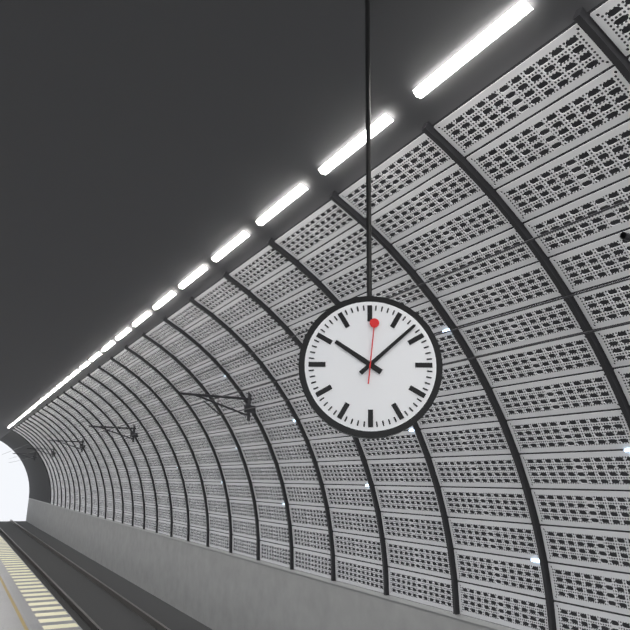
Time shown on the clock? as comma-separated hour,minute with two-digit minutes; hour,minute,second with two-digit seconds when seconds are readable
10,08,01
